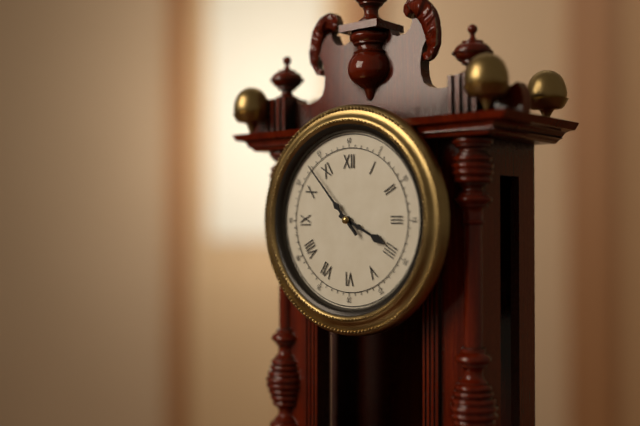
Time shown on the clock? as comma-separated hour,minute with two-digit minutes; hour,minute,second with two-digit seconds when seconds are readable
3,53
